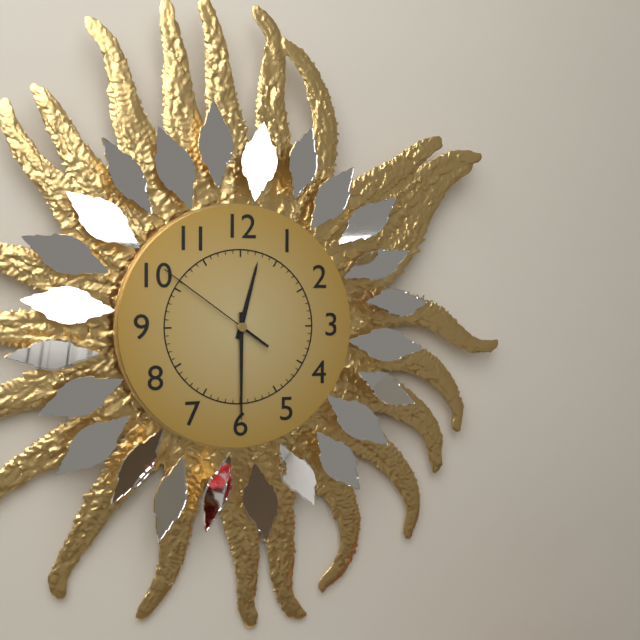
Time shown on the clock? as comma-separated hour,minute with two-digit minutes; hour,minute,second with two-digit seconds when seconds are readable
12,30,51
